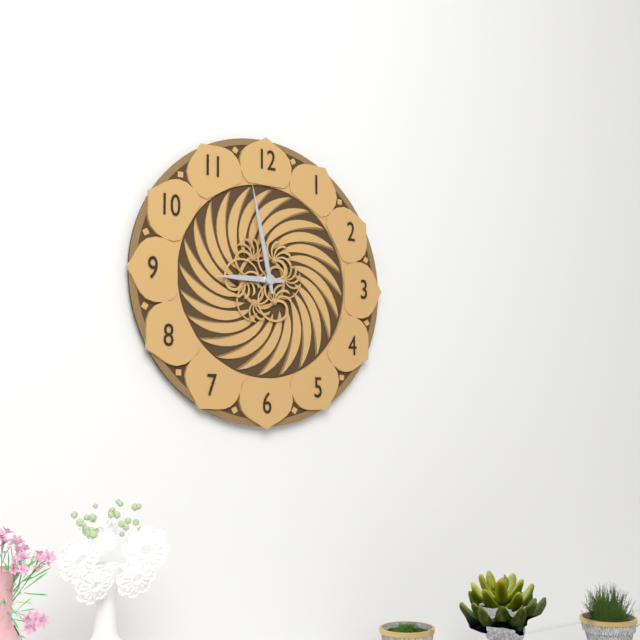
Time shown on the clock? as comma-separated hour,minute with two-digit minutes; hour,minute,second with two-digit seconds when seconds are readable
8,58
